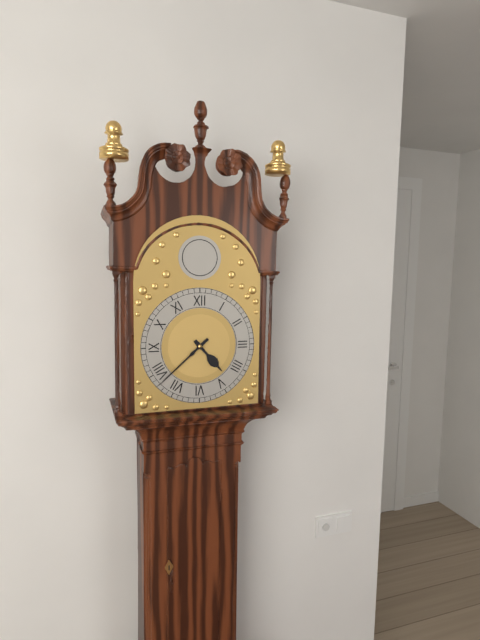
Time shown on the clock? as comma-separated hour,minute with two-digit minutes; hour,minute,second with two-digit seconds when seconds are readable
4,38
